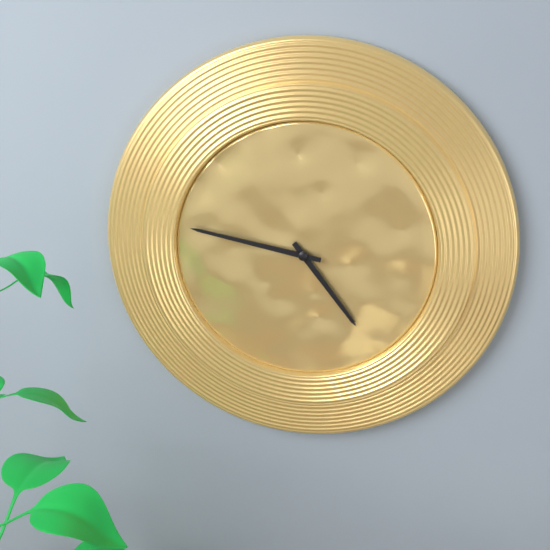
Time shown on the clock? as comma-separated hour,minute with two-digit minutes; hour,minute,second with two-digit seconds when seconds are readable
4,47
